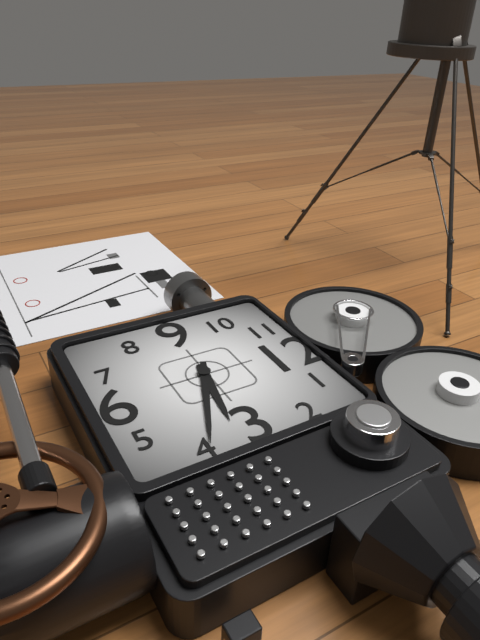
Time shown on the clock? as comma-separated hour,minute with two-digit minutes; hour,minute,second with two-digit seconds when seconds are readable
3,19
